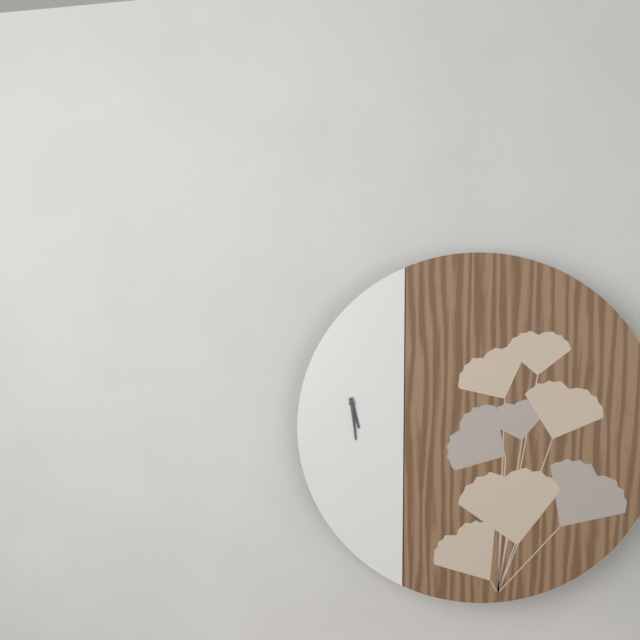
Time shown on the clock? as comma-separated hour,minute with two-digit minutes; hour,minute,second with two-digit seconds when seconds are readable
5,29
